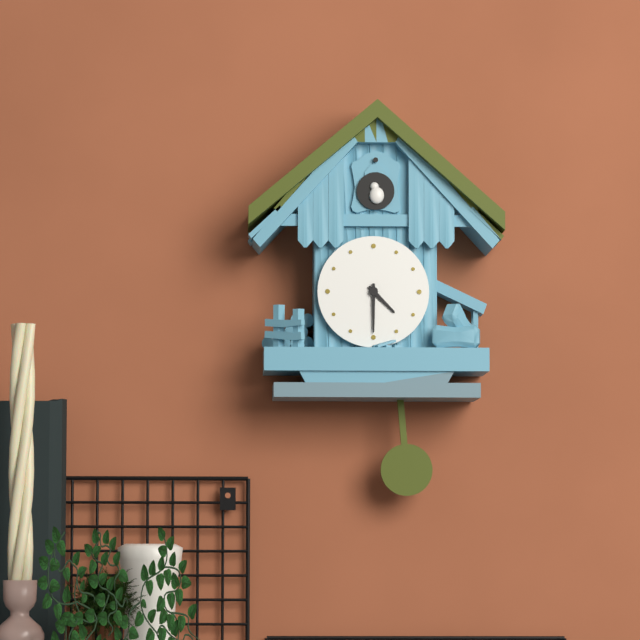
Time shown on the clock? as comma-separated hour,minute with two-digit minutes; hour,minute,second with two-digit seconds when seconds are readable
4,30
